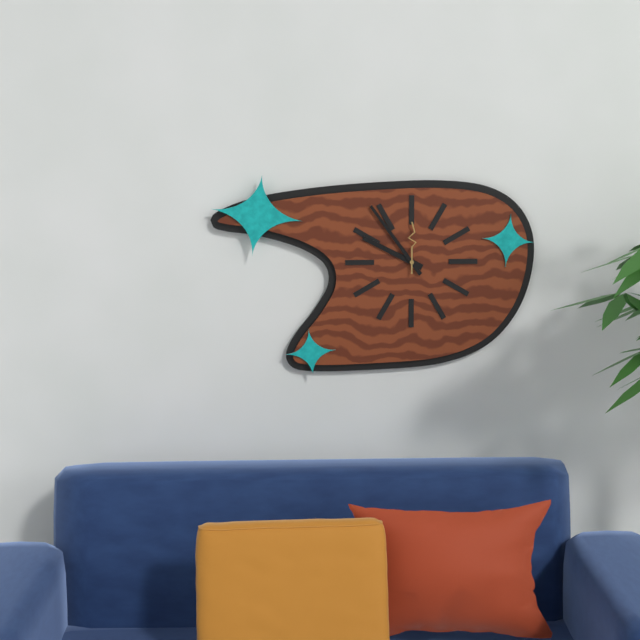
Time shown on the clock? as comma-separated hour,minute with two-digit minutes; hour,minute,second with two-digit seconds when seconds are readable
9,54
